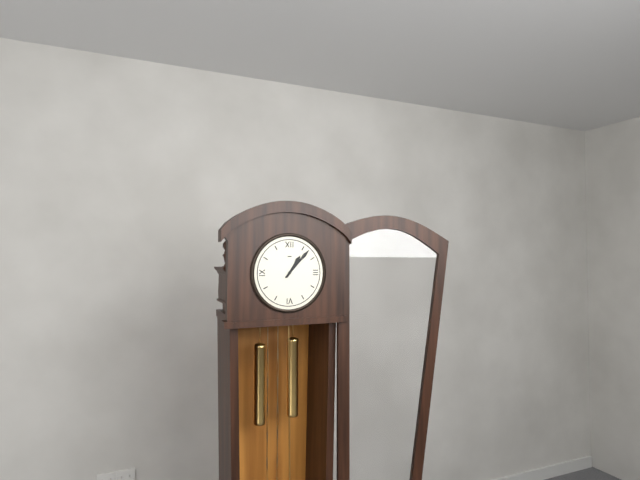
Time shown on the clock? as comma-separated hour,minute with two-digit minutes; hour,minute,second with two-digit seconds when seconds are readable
1,07
